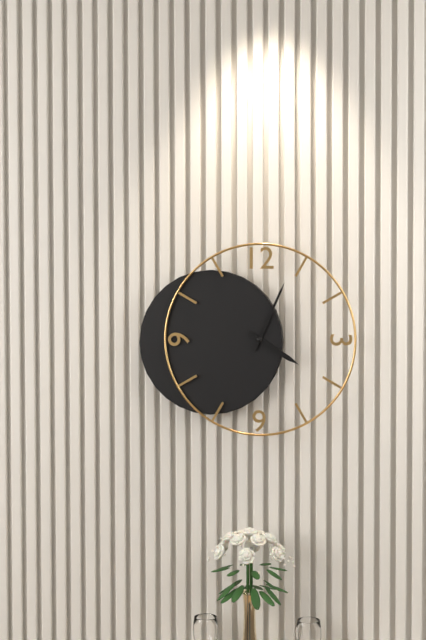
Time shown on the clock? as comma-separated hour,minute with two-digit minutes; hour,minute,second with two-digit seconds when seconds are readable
4,04
